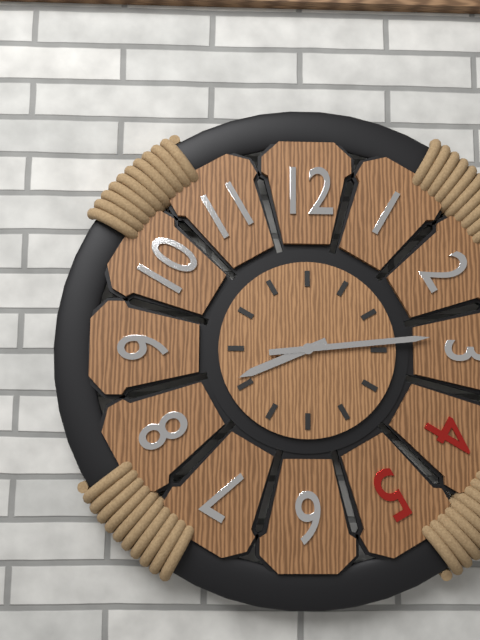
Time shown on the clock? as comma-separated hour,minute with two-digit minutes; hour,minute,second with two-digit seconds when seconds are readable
8,14
